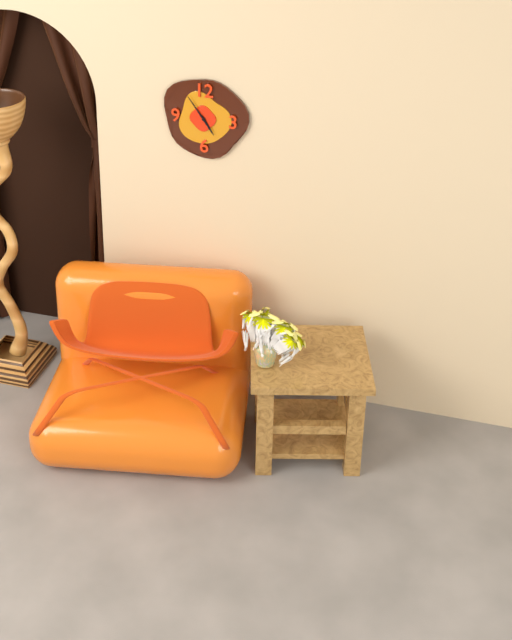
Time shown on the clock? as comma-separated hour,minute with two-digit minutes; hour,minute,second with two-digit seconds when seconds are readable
4,54
